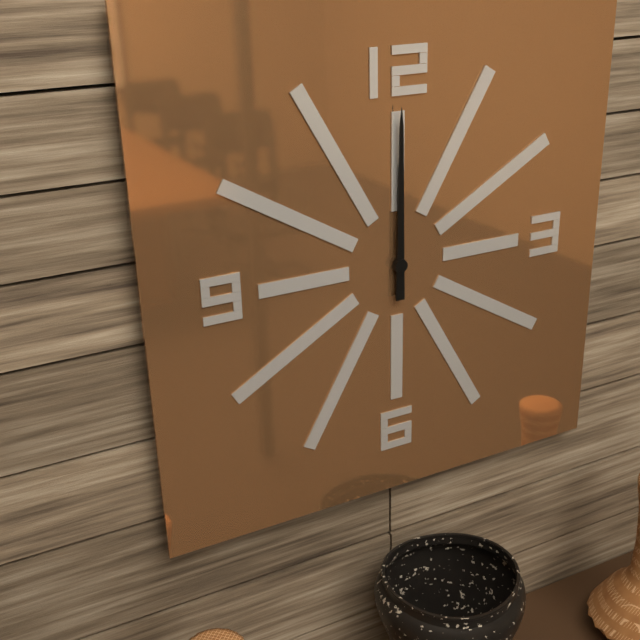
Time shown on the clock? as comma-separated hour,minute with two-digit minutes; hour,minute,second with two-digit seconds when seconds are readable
12,00
